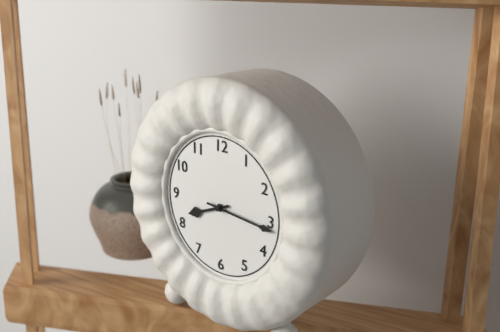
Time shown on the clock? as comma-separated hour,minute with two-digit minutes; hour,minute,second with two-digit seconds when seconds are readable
8,16
